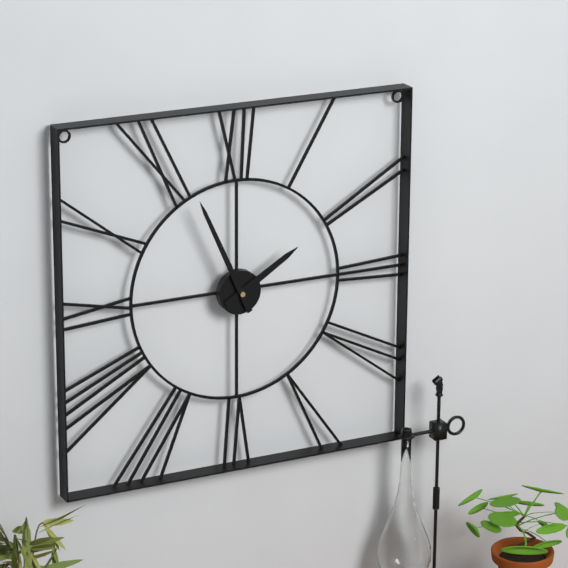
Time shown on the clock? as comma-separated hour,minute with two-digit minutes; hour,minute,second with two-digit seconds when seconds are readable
1,56
